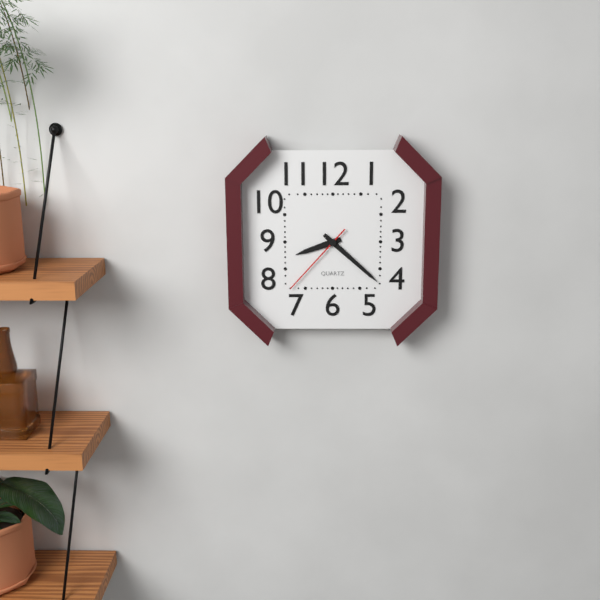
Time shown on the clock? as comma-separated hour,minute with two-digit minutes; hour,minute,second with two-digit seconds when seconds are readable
8,22,37
